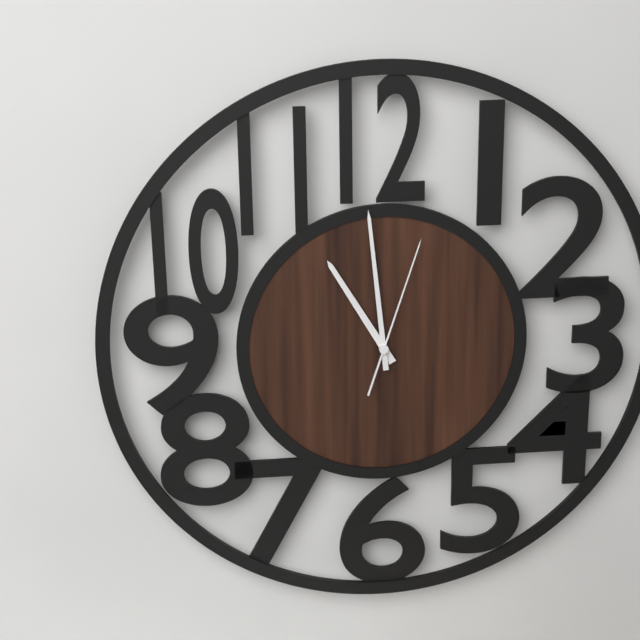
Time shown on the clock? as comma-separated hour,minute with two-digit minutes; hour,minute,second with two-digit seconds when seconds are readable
10,59,03
